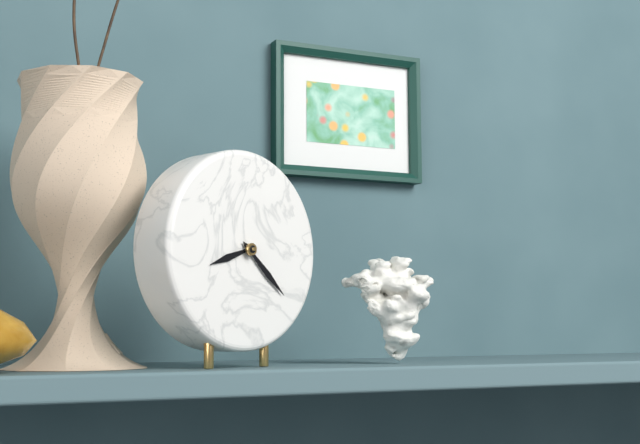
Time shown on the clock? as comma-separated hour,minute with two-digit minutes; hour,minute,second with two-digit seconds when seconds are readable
8,22
